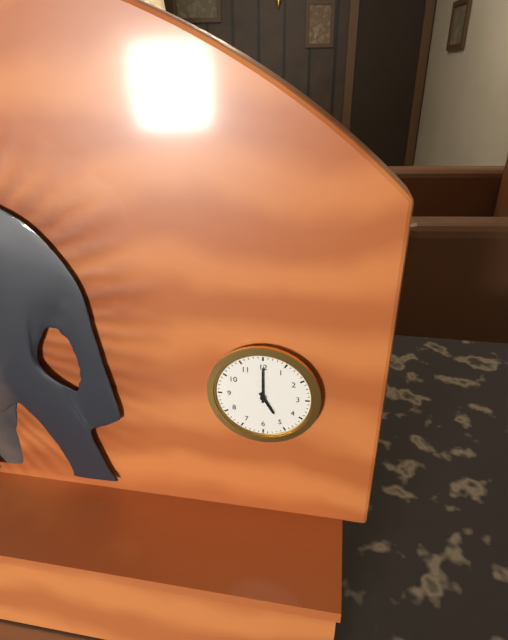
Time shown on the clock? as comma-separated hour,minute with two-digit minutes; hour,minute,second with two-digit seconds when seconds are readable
5,00
